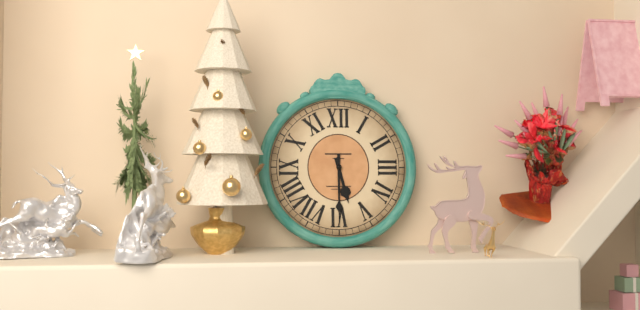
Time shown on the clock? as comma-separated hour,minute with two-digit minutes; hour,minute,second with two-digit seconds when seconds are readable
5,30
